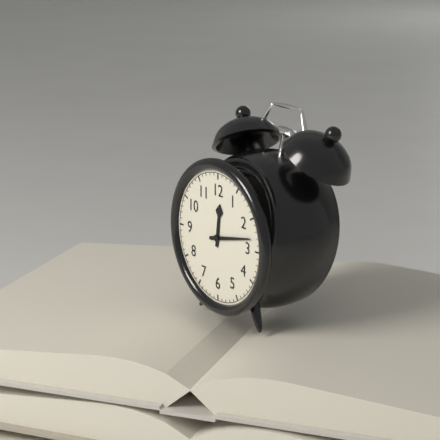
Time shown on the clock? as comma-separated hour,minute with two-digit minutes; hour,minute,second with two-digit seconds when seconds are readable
12,13
